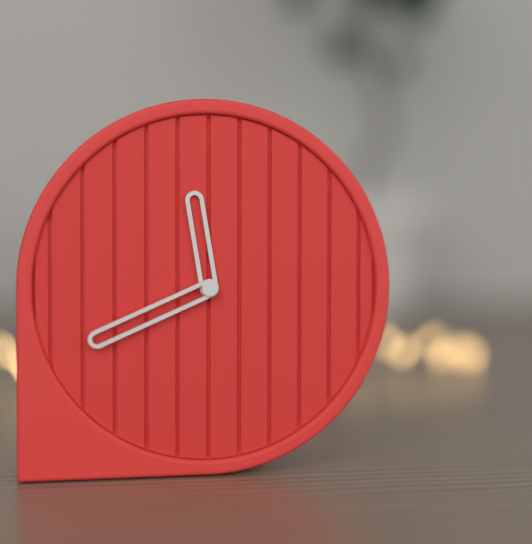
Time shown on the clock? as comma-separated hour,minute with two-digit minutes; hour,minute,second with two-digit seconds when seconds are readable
11,41
